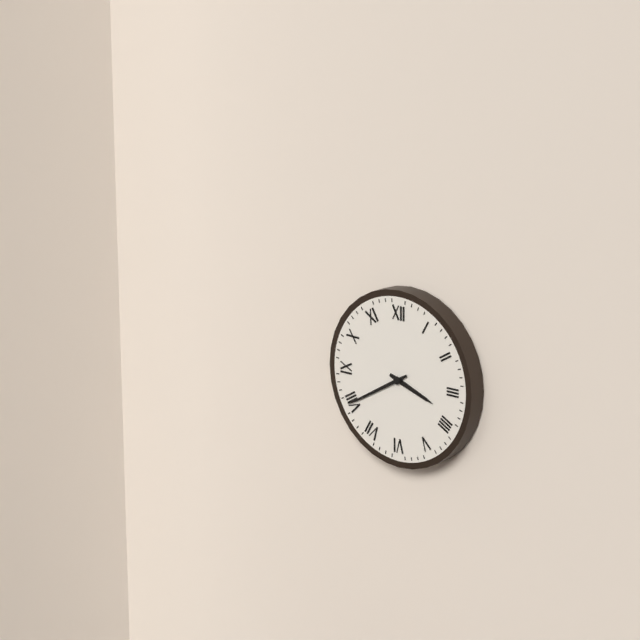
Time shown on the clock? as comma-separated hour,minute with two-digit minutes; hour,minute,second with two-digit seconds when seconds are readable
3,40
